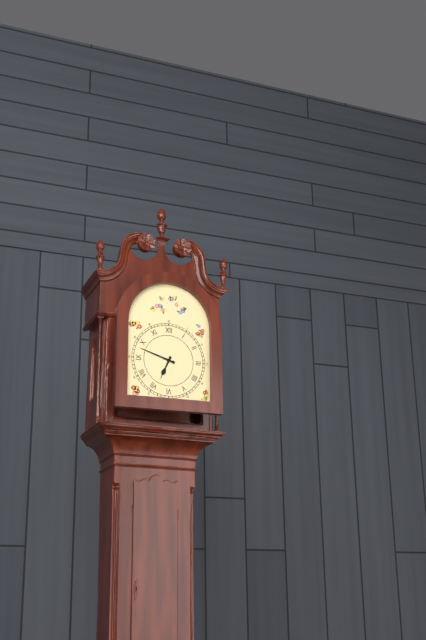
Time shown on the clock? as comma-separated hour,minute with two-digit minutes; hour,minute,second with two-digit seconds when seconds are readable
6,48
